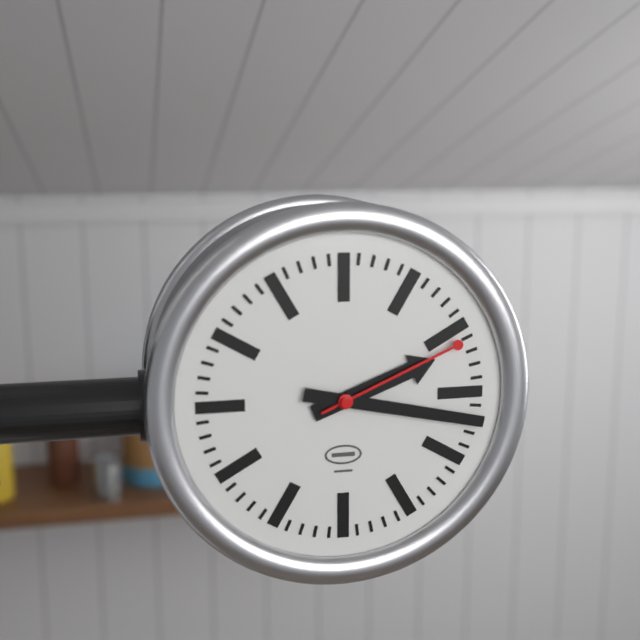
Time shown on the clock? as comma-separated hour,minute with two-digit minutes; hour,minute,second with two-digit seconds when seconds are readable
2,17,11
